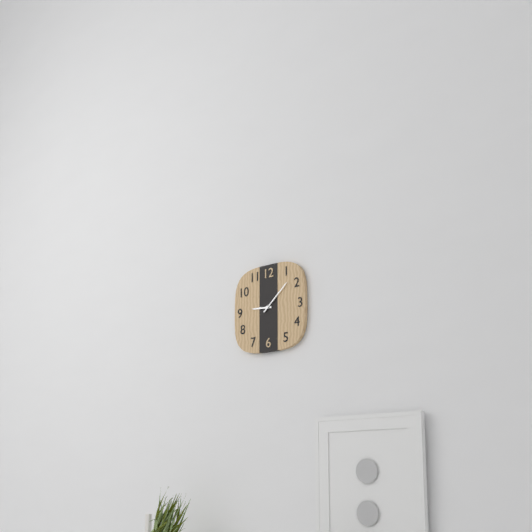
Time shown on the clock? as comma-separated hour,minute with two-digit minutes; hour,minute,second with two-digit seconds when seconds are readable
9,08
